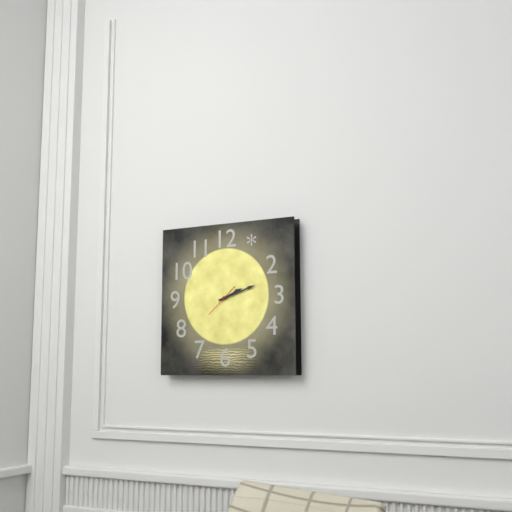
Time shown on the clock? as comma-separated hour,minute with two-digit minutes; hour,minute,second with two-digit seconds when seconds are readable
2,12
